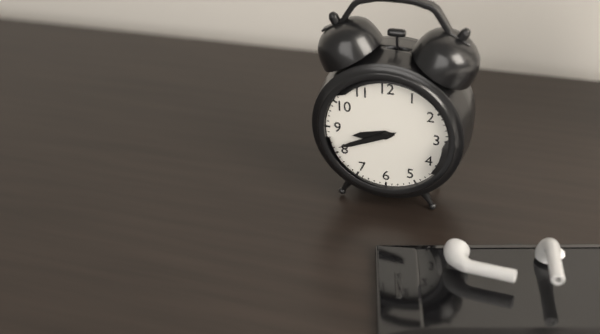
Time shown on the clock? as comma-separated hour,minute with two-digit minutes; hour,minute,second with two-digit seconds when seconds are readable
8,41
